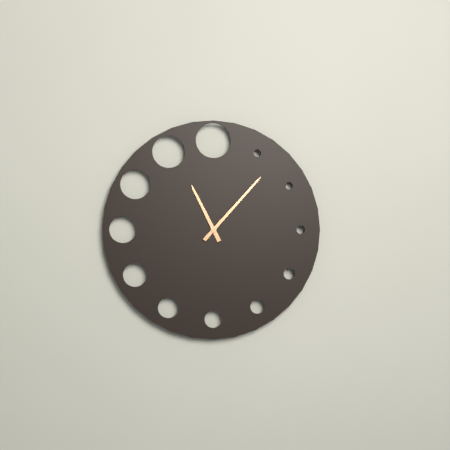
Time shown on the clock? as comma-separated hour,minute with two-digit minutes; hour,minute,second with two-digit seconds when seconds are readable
11,07
